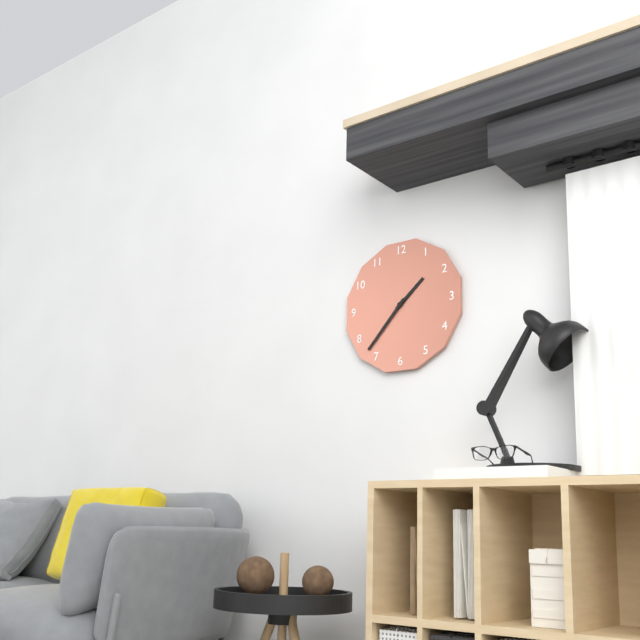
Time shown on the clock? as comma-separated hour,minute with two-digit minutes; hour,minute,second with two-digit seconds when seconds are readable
1,37
